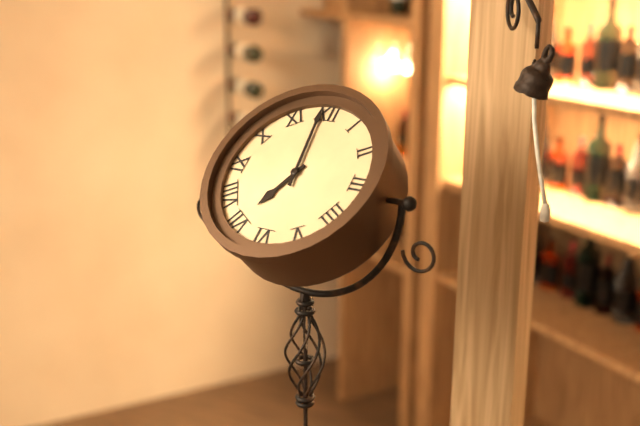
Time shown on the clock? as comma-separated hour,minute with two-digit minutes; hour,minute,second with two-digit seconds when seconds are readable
6,59
